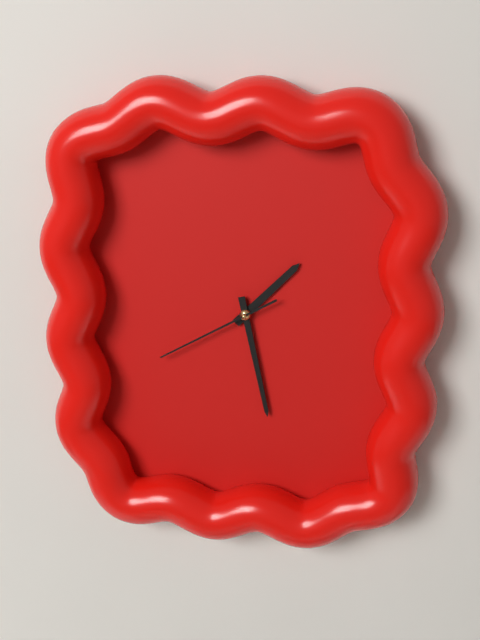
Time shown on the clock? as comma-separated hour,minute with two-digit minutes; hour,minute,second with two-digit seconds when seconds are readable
1,28,40
